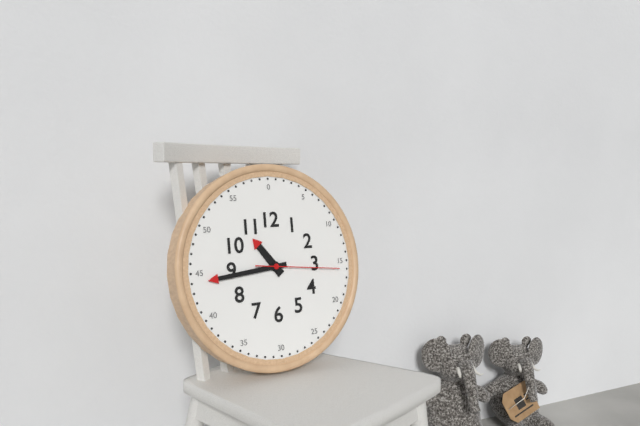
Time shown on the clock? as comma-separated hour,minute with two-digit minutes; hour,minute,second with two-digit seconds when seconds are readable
10,44,16
